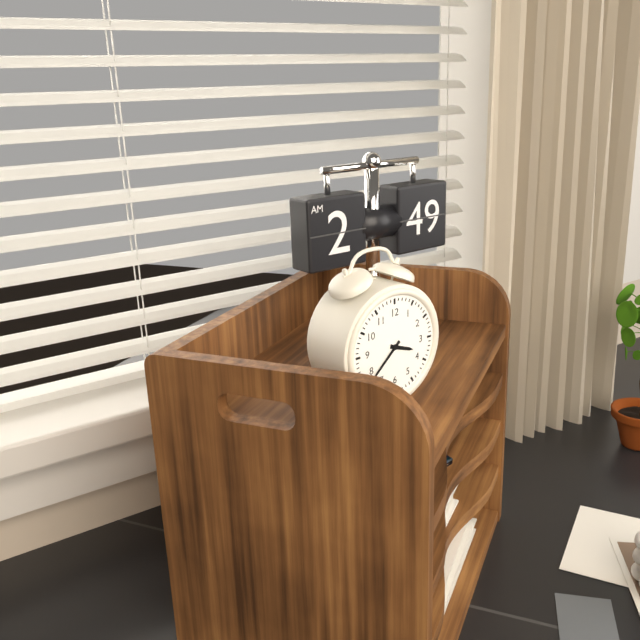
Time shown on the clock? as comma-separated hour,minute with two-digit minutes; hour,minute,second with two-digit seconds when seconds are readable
3,38
